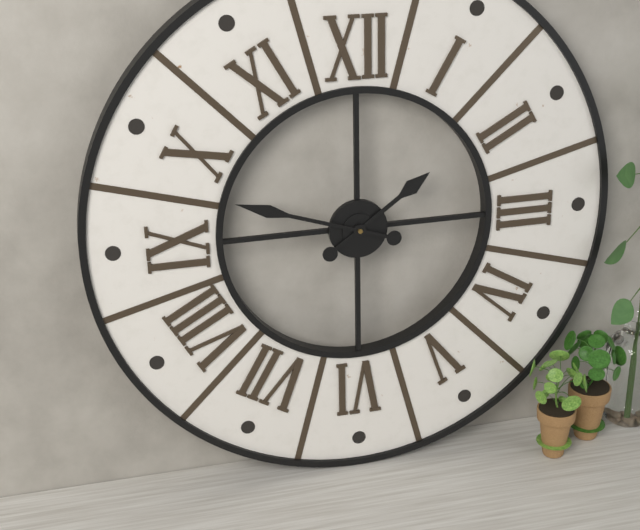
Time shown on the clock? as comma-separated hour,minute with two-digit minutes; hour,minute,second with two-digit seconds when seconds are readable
1,48
